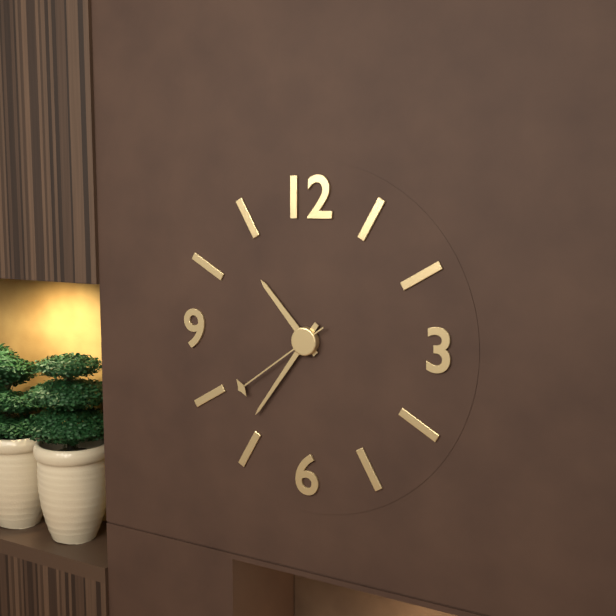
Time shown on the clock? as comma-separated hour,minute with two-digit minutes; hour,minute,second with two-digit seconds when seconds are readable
10,36,39
